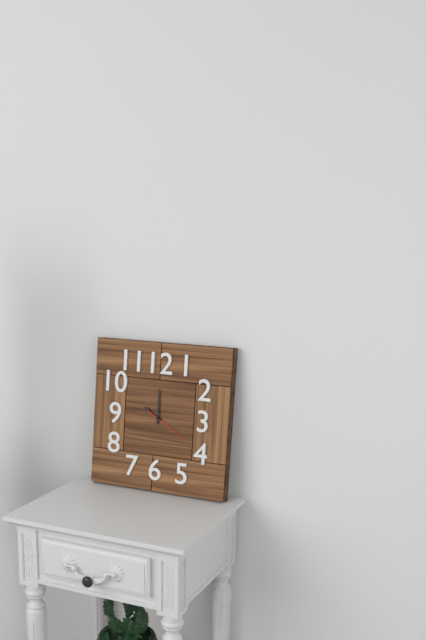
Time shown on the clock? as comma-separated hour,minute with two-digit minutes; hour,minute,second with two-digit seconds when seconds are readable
10,00
